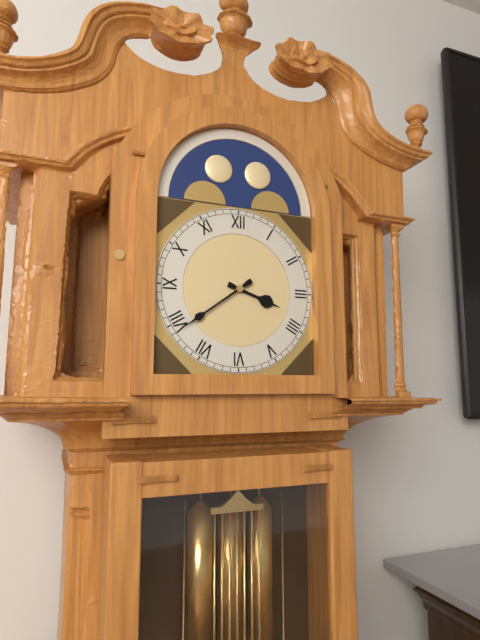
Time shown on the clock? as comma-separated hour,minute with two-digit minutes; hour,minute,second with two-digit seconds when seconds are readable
3,39
